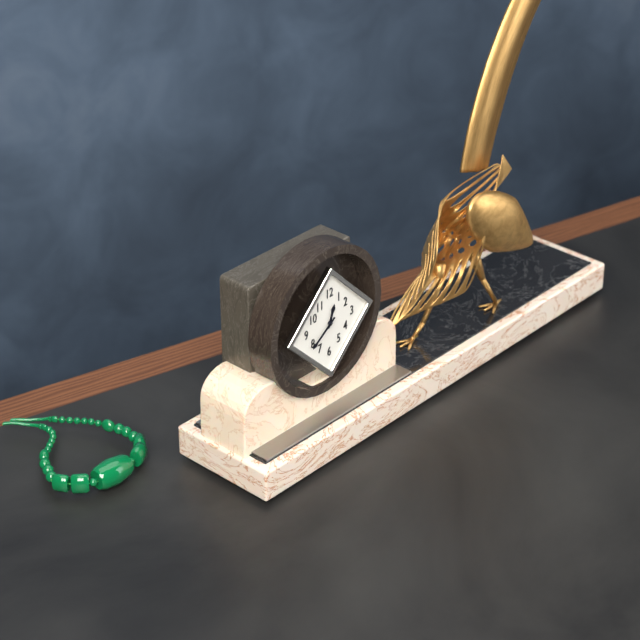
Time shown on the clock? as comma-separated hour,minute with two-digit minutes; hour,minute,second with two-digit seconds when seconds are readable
12,39
